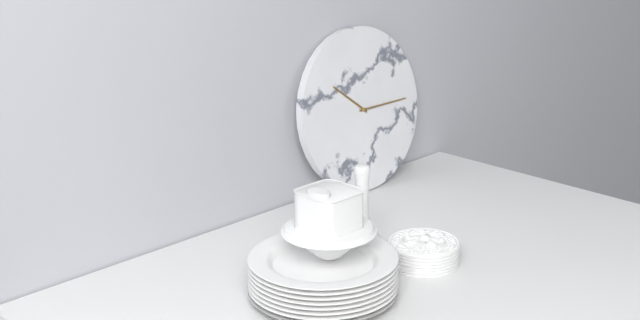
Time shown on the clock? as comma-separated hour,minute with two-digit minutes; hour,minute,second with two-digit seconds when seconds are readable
10,15
